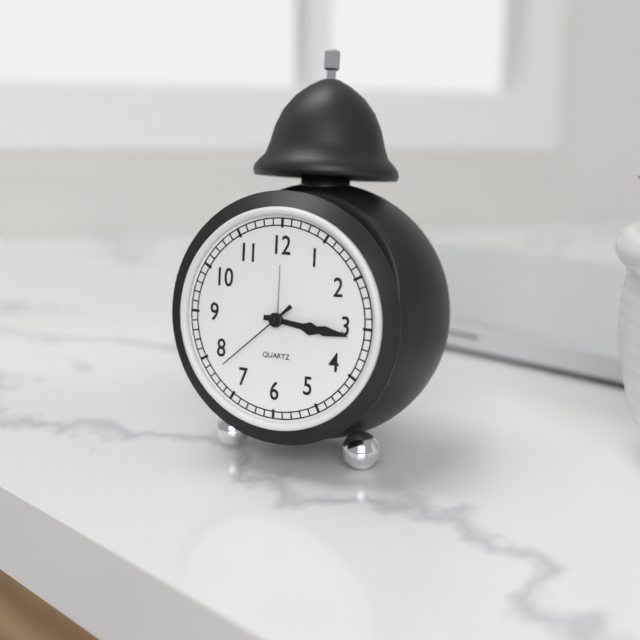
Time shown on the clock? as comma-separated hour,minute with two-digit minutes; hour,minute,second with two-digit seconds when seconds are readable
3,16,38
